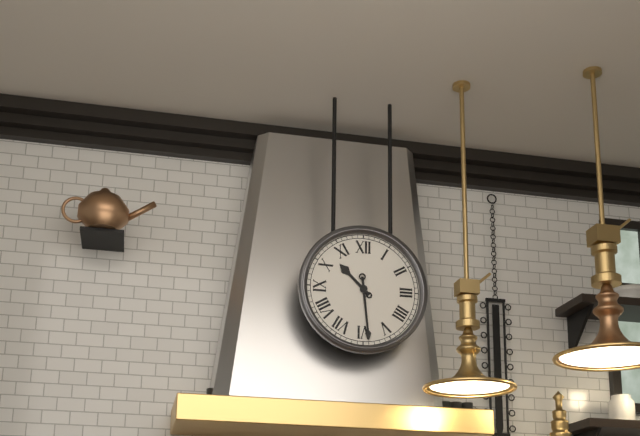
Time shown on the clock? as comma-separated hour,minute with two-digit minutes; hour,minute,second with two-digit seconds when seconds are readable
10,29
